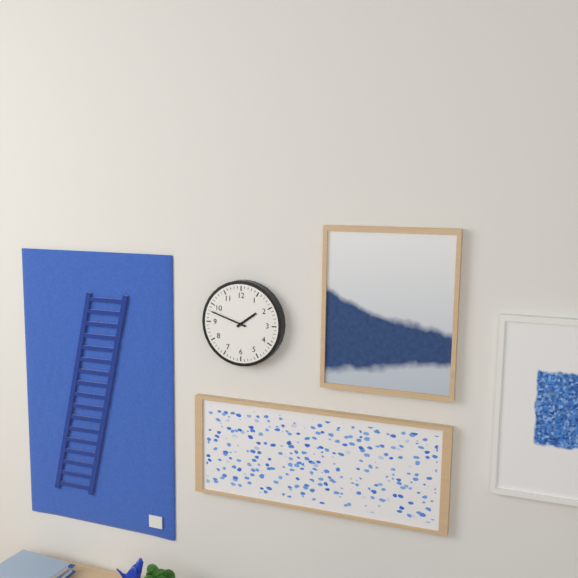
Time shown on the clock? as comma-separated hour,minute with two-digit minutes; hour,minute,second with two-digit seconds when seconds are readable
1,48
